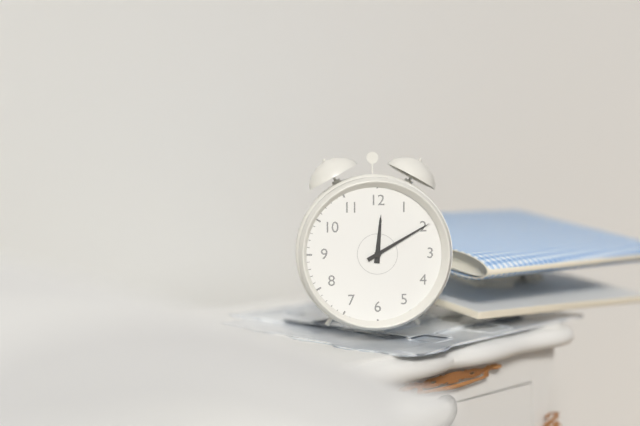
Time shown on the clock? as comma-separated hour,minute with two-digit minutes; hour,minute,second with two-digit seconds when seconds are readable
12,10
